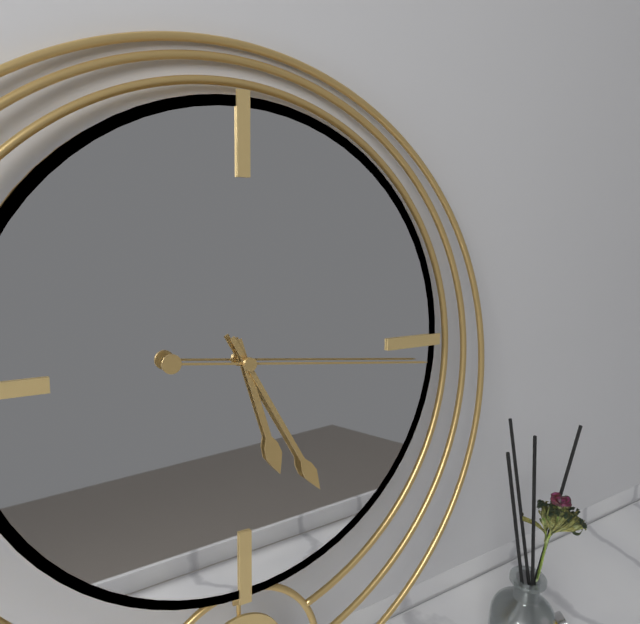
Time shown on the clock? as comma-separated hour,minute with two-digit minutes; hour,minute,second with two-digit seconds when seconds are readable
5,25,16
